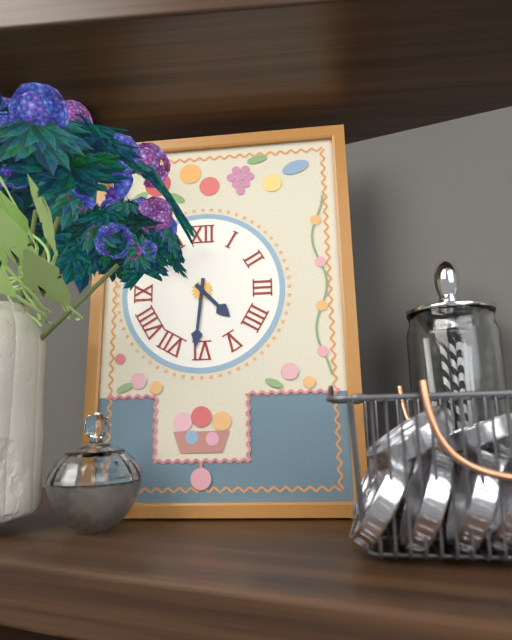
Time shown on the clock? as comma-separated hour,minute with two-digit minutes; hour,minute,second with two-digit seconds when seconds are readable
4,31
